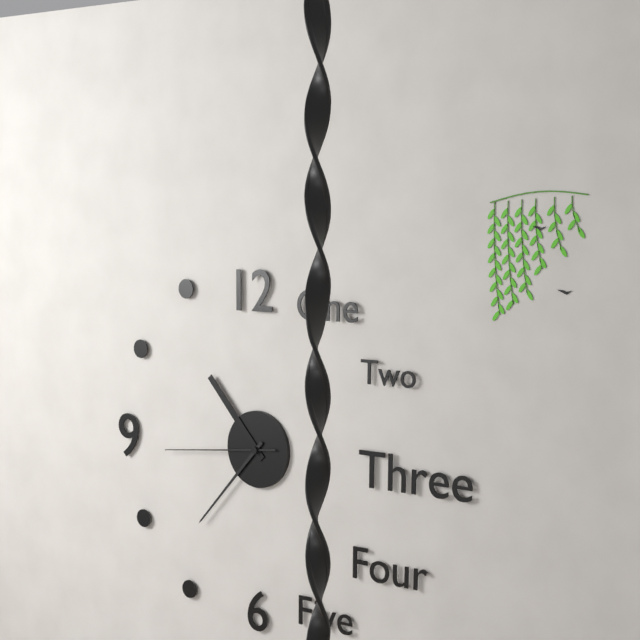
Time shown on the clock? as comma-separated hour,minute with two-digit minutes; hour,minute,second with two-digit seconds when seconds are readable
10,37,44
